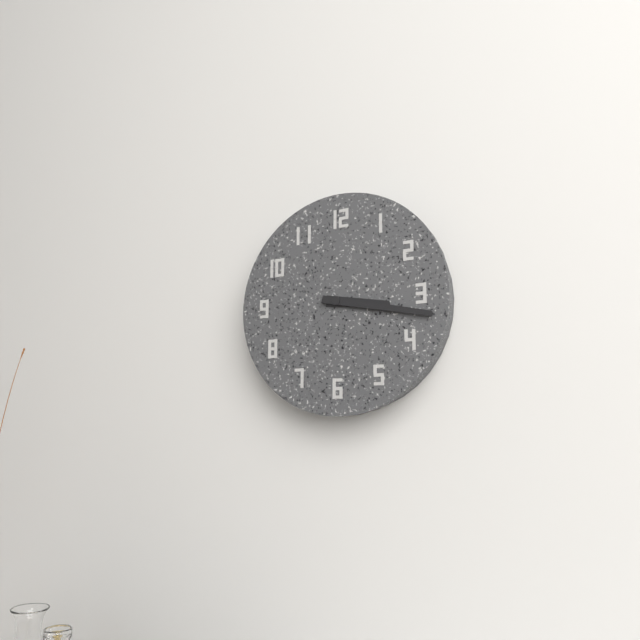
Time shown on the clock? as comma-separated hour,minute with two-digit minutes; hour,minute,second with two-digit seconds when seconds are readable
3,17
